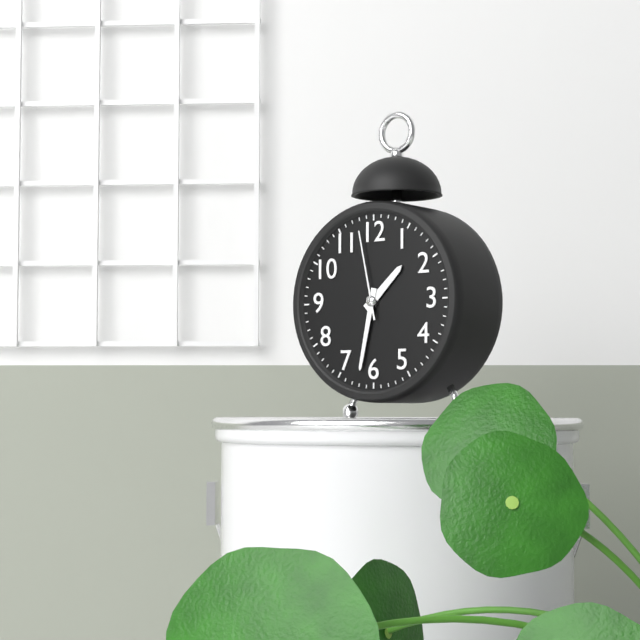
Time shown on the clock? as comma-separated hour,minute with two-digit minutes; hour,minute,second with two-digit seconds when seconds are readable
1,32,58
